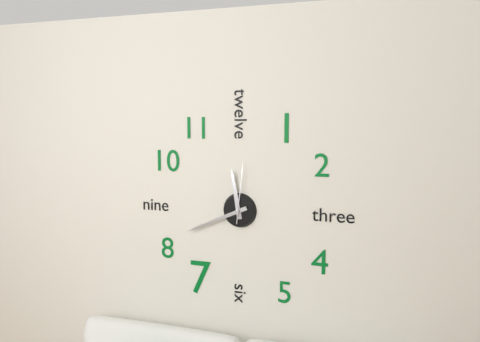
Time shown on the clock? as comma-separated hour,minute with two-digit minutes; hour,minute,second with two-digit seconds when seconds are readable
11,41,01
